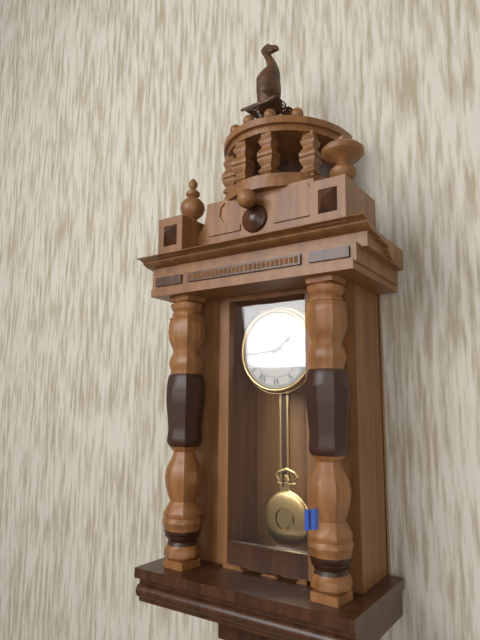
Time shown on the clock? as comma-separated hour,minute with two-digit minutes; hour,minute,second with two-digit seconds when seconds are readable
1,44
